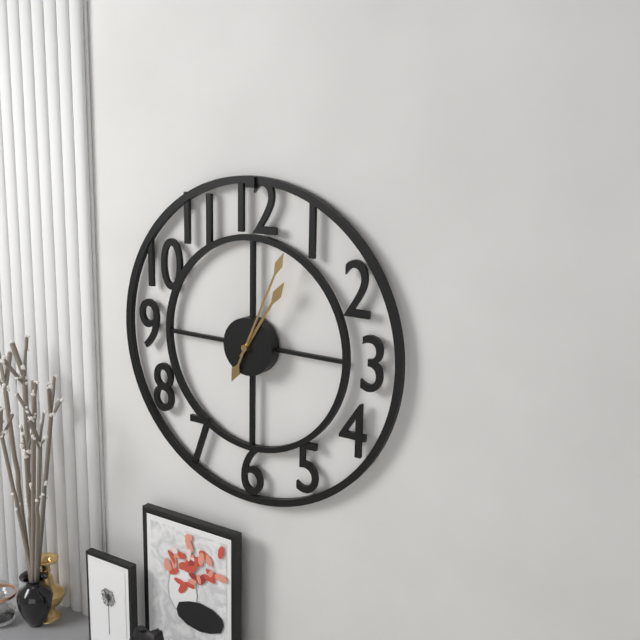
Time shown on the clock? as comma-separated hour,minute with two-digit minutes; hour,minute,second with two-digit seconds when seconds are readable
1,04
